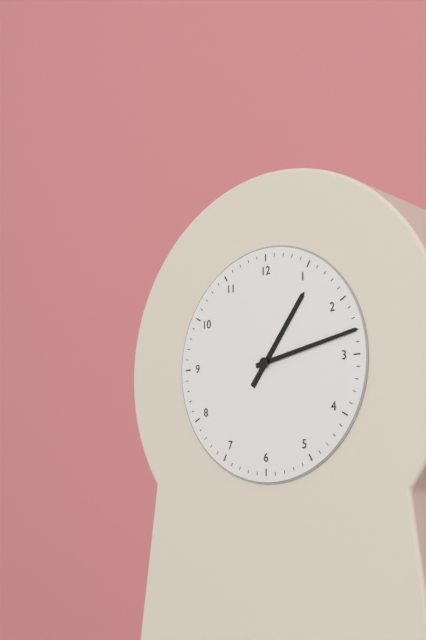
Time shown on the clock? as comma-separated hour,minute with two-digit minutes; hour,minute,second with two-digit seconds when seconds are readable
1,13
